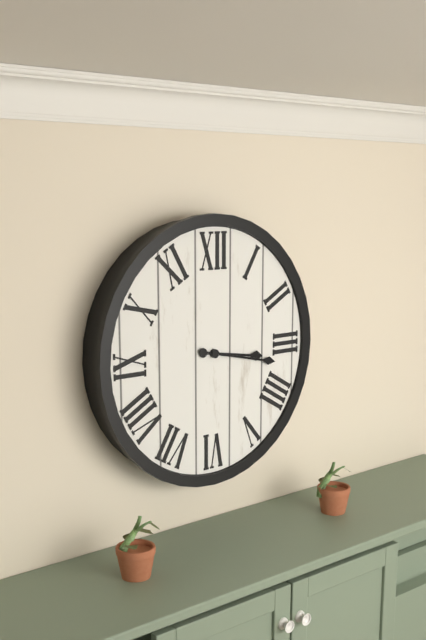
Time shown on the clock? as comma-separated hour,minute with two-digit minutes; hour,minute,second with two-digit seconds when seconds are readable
3,17
